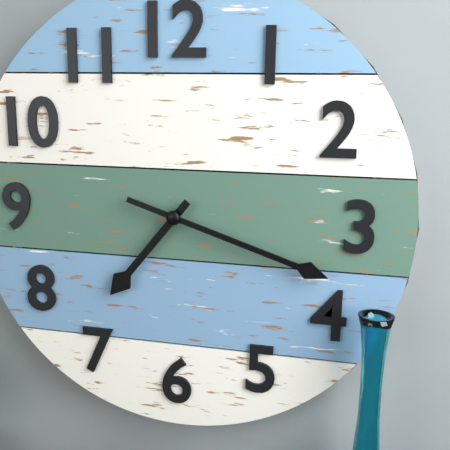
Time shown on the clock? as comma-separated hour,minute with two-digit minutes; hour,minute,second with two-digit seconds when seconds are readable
7,18
